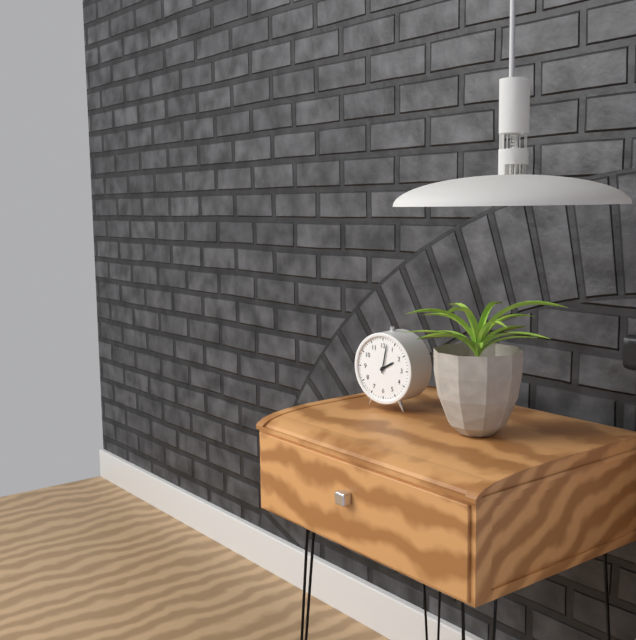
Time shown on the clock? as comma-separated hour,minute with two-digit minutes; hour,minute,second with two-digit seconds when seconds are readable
2,02
